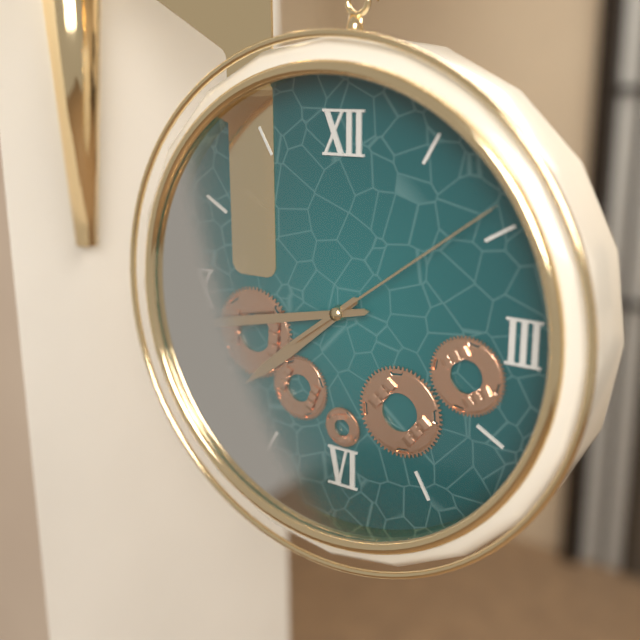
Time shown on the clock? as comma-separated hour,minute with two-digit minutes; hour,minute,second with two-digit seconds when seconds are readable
7,43,09
